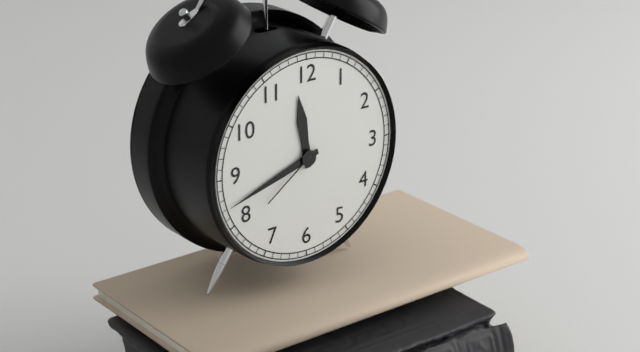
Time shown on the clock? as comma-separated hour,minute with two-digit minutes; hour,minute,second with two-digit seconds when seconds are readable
11,42,39
